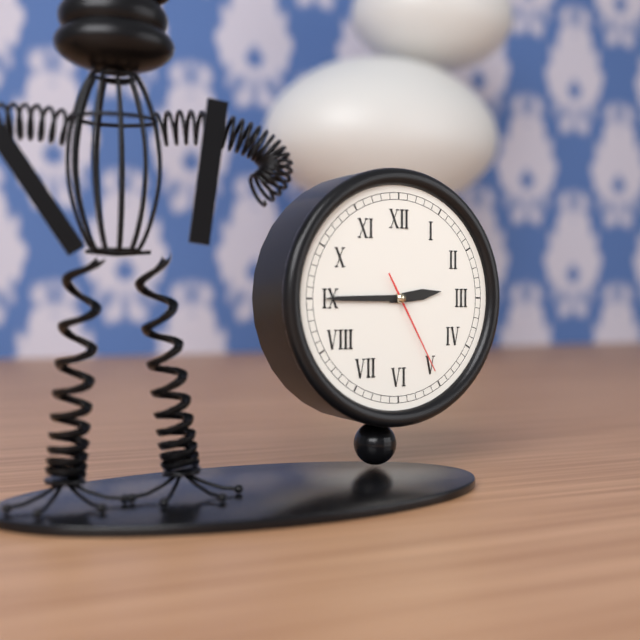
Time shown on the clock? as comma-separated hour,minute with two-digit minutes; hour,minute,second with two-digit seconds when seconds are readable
2,45,25
